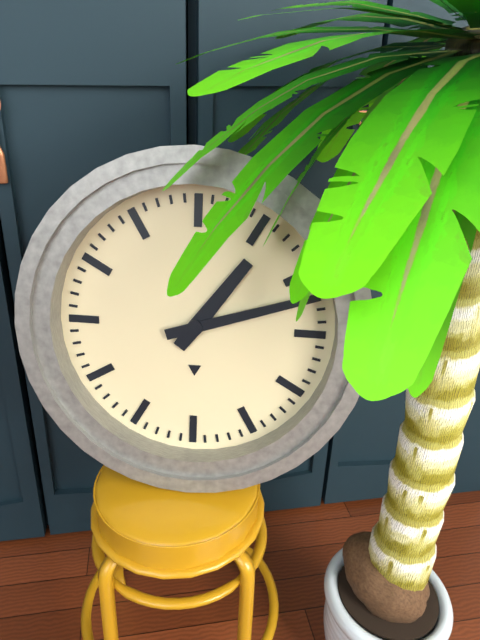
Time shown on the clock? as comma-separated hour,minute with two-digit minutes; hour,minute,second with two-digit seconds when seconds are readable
1,12
